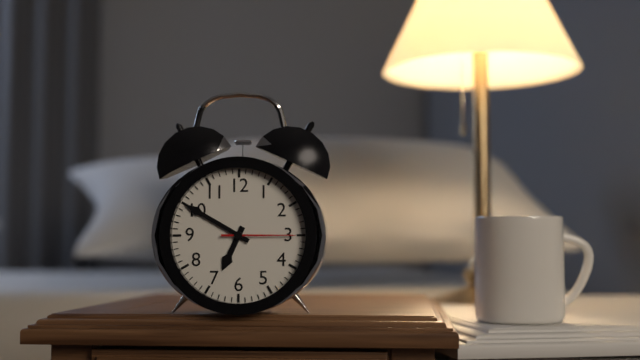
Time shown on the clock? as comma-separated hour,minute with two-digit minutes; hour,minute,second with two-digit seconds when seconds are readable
6,50,15
